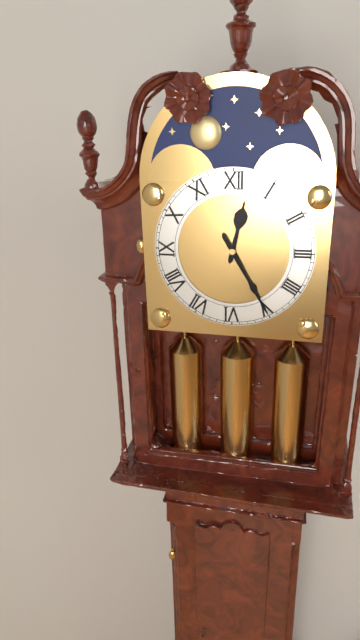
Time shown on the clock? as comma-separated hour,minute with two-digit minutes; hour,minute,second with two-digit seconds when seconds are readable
12,25
